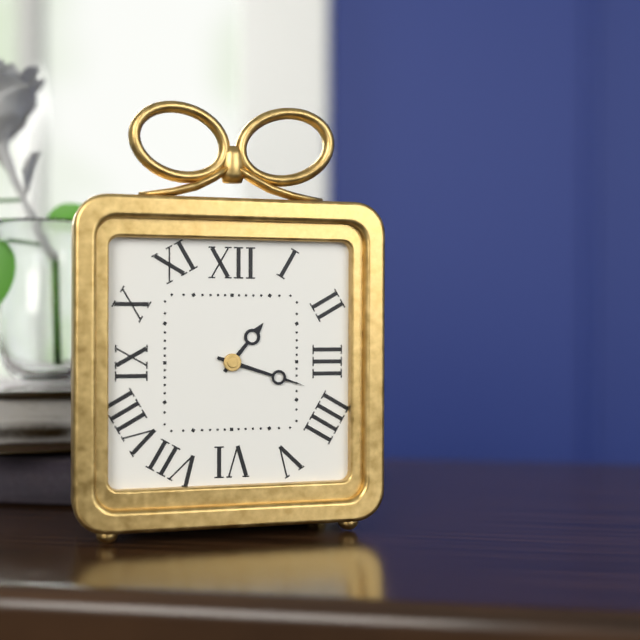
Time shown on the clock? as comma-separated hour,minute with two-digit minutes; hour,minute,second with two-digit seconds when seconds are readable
1,18
